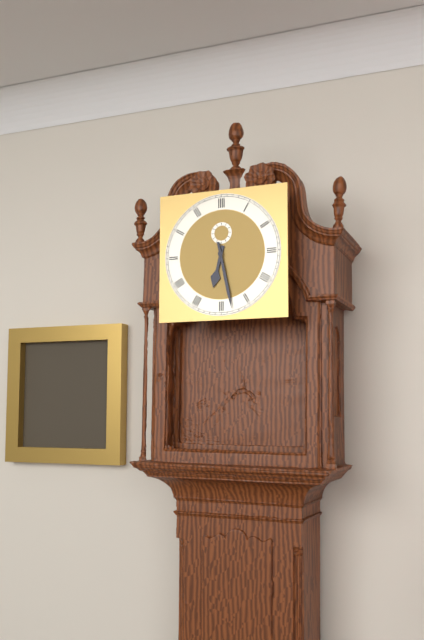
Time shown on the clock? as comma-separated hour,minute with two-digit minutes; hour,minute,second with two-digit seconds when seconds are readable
6,28
